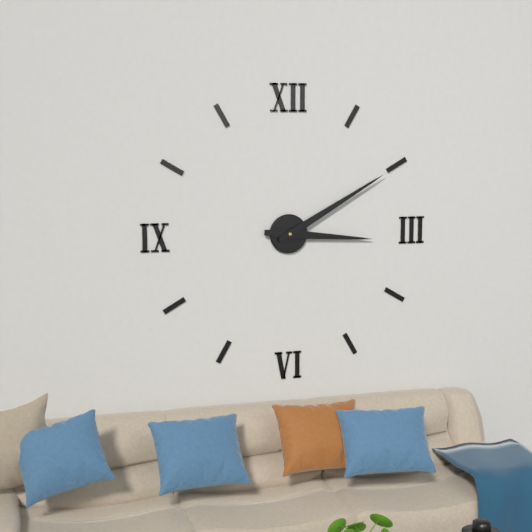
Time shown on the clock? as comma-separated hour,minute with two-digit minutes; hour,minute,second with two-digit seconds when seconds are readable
3,10
